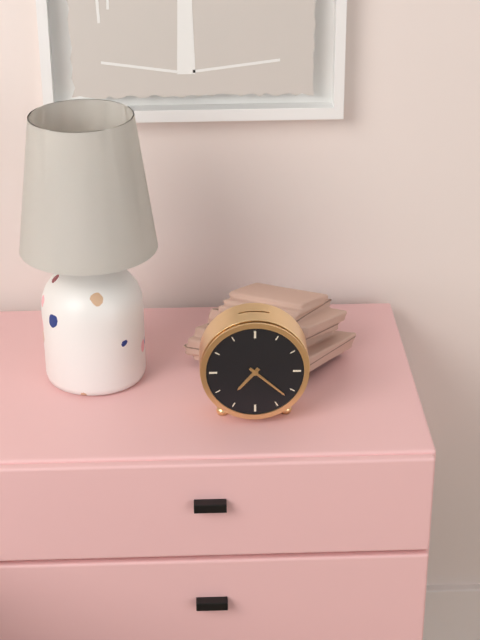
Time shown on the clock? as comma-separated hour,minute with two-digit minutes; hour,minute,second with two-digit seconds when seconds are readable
7,22
